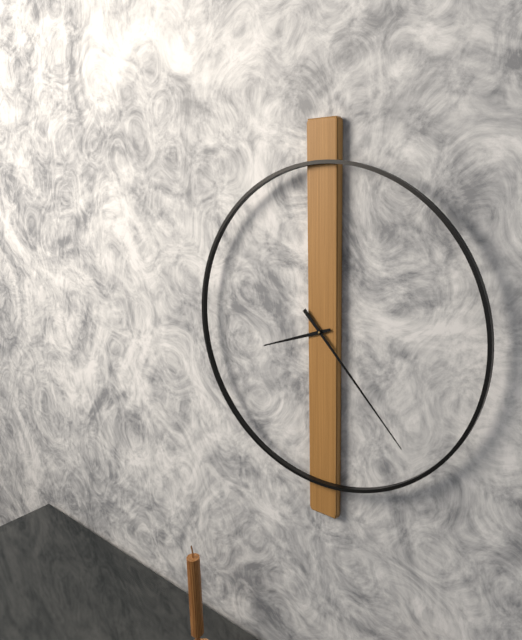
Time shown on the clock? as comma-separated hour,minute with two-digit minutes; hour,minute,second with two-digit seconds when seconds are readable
8,23
